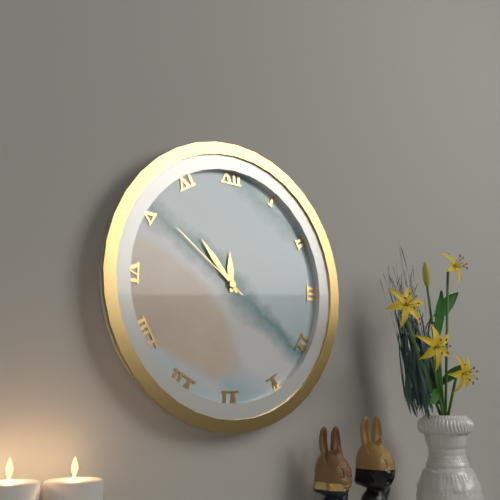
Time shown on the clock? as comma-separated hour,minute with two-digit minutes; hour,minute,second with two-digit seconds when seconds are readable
11,53,51
